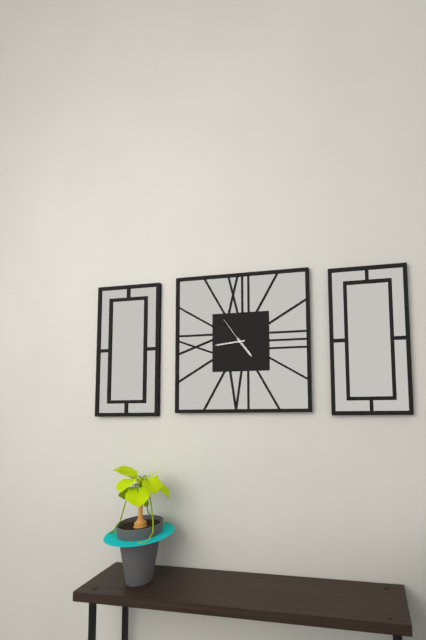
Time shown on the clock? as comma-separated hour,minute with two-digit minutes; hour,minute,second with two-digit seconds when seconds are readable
4,44
